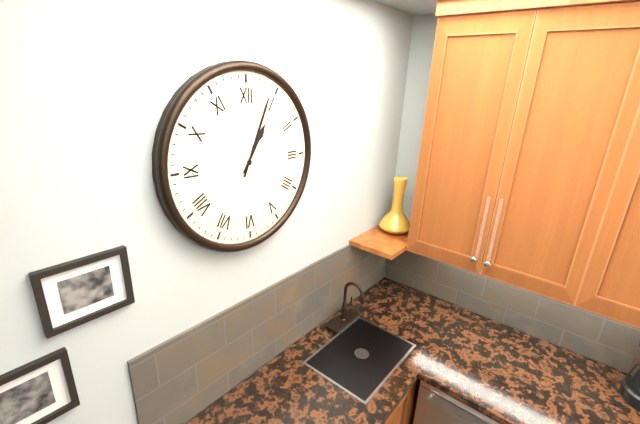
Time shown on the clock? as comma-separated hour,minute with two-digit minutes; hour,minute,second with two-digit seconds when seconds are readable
1,04
